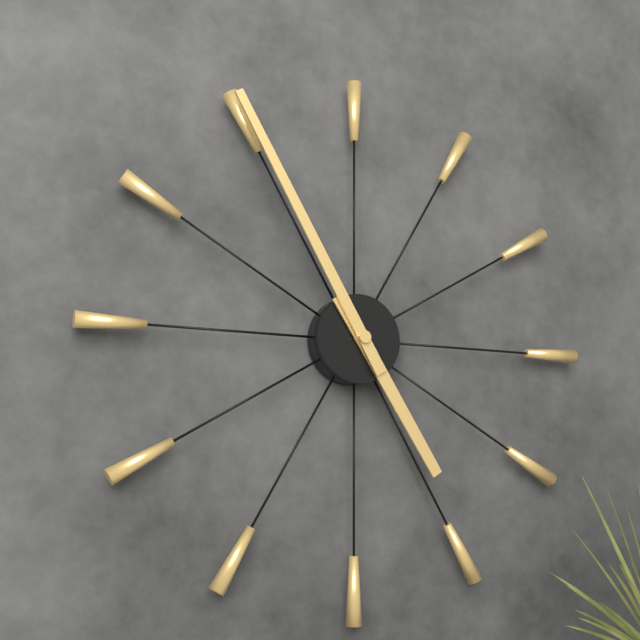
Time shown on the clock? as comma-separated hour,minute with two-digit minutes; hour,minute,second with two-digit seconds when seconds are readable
4,55
